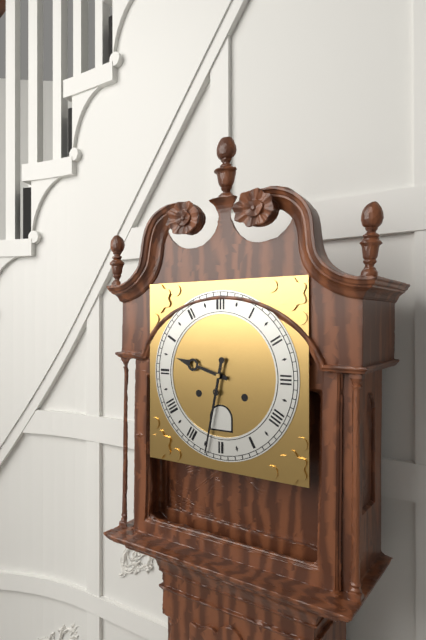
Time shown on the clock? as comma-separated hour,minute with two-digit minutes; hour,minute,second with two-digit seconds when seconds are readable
9,32
